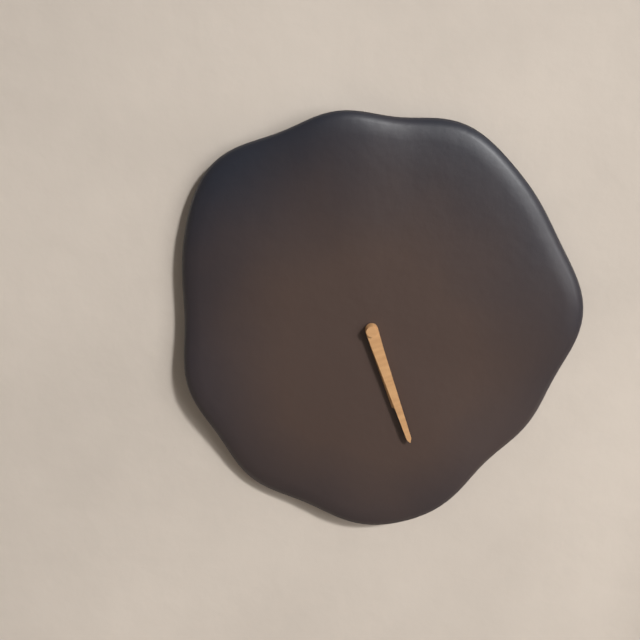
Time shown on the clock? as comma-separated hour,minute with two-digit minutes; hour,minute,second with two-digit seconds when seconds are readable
5,27
